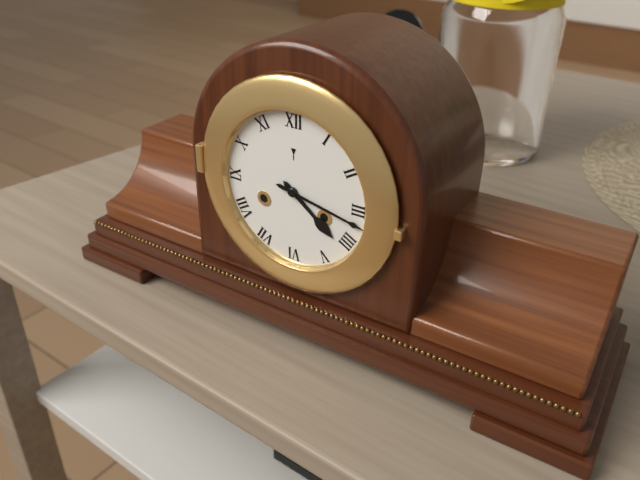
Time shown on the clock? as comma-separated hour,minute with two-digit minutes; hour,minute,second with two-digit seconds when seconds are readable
4,17
